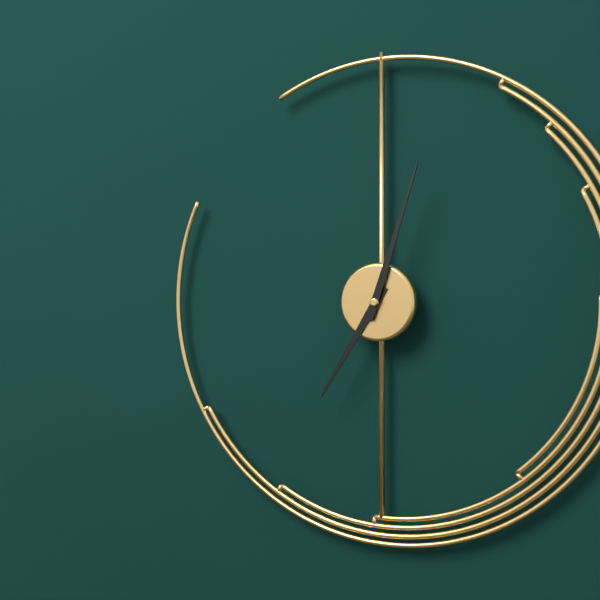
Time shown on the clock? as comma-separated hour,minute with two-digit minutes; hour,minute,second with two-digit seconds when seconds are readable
7,03
